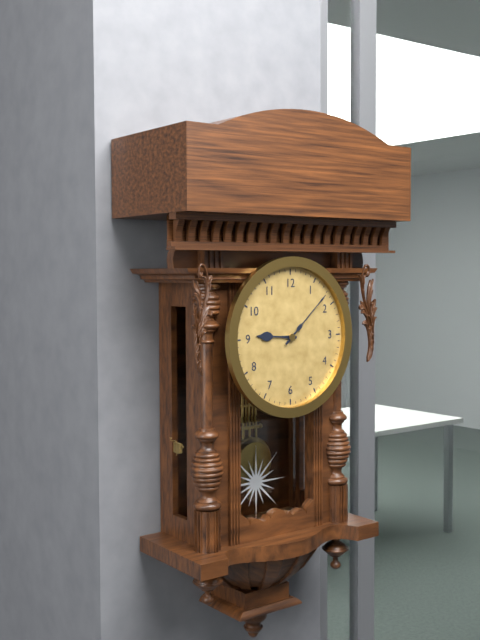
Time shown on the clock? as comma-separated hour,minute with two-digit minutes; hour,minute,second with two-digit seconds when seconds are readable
9,08
